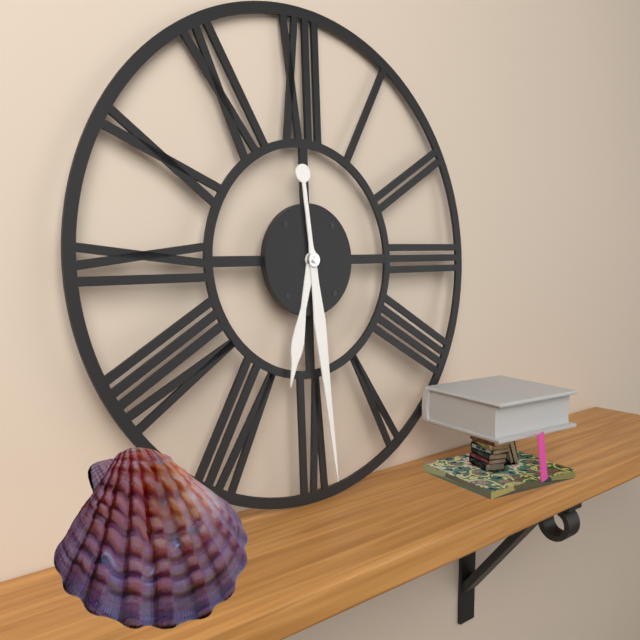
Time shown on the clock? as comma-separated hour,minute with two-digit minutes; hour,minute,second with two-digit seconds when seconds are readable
6,29
